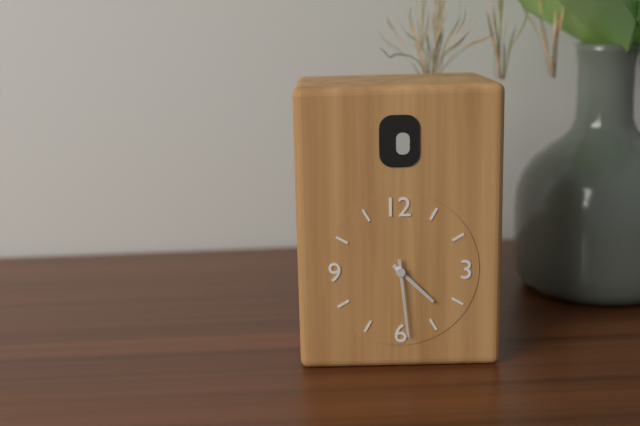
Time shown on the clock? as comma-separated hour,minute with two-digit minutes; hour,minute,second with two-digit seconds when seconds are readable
4,29
